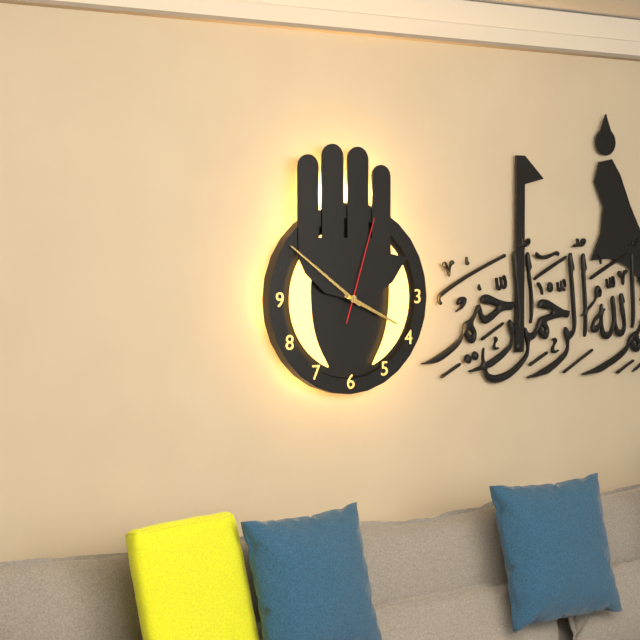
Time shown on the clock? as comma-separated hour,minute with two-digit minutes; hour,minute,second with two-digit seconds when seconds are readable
3,51,03
